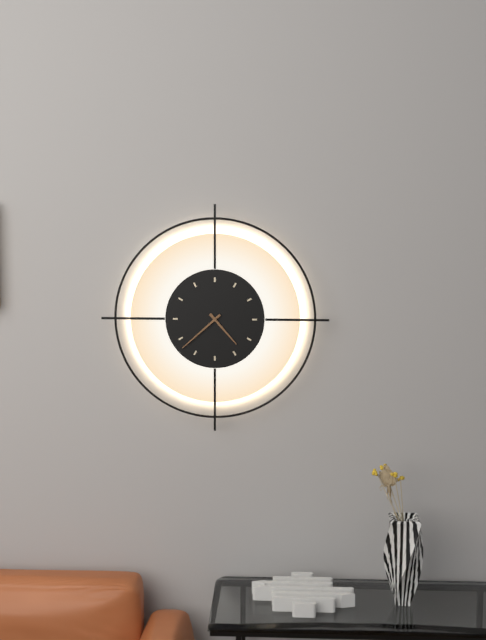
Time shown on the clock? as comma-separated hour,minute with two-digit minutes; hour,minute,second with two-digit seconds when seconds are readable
4,38
